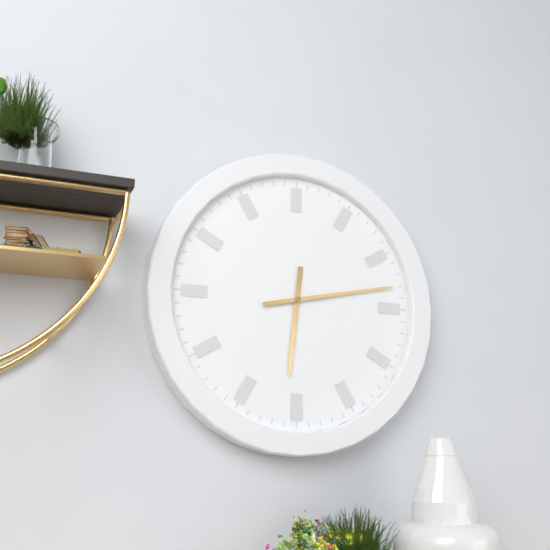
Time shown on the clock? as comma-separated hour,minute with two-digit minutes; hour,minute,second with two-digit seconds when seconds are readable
6,13
